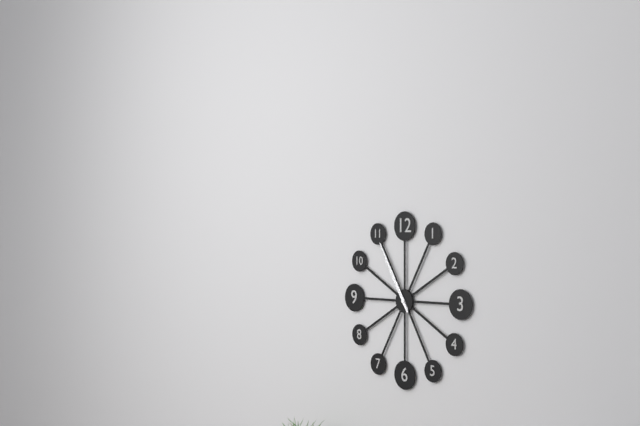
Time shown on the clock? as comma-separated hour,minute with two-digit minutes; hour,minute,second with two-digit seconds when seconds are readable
10,55
